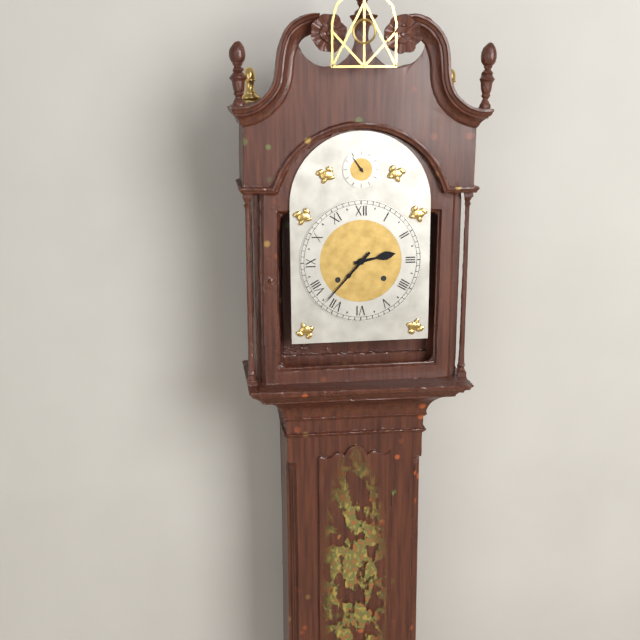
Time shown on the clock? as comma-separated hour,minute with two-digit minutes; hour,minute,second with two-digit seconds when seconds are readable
2,37
